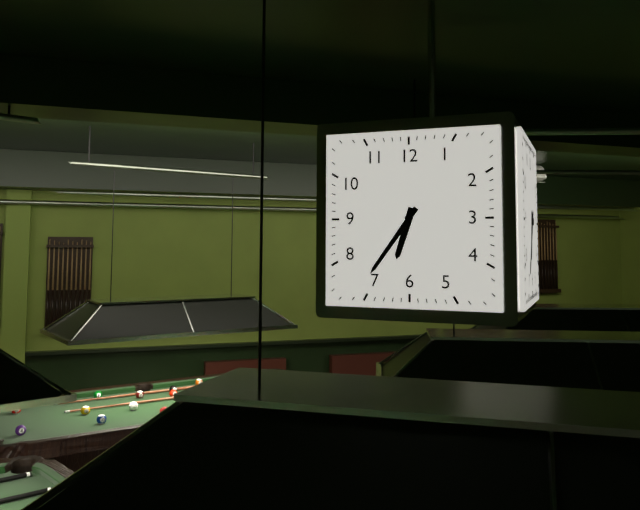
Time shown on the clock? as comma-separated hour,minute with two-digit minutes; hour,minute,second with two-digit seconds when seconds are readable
6,36
